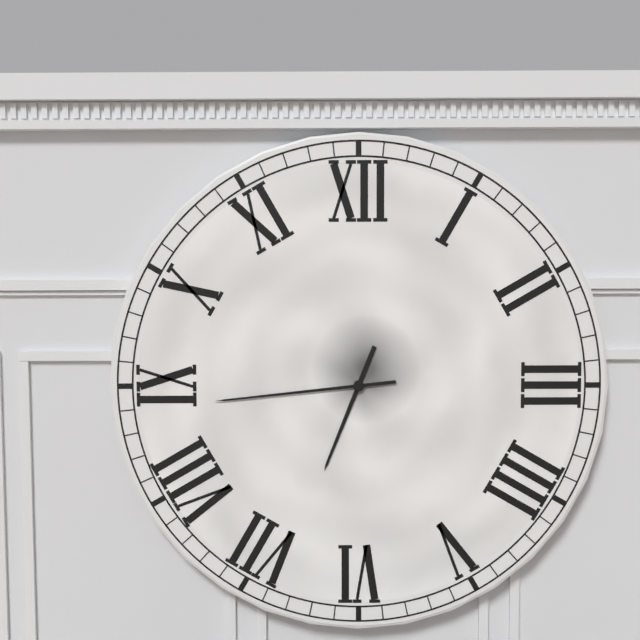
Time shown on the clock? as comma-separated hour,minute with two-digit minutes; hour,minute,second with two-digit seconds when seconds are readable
6,44
